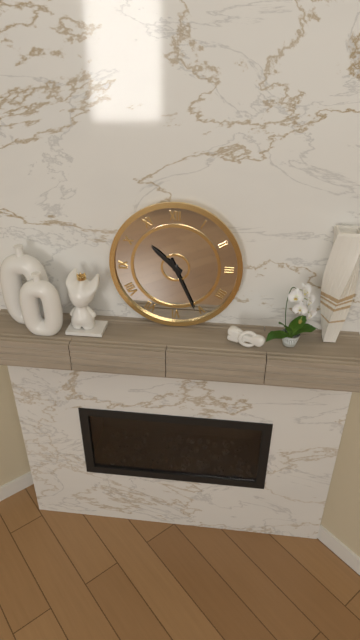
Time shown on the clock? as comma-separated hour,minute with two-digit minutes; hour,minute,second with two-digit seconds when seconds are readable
10,26
